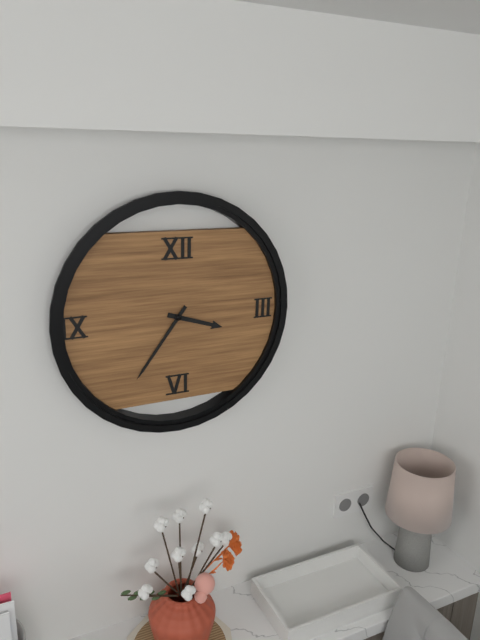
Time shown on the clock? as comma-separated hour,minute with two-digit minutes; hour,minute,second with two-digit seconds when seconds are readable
3,36
